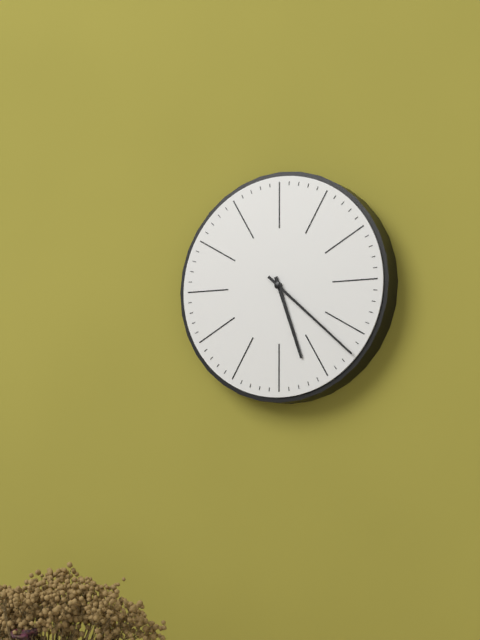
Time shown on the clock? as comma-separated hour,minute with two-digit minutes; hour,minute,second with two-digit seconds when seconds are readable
5,22
